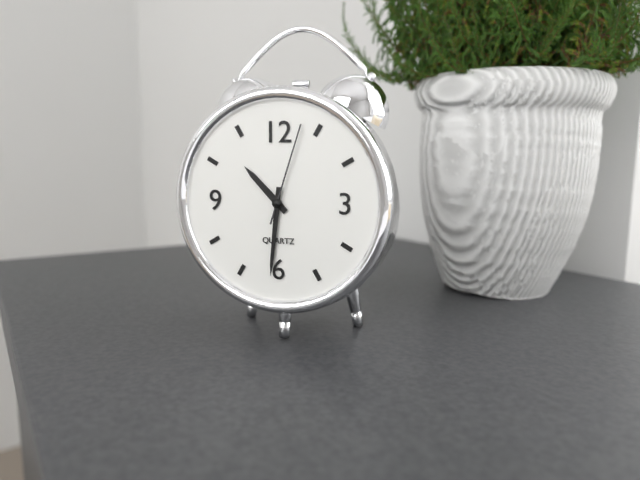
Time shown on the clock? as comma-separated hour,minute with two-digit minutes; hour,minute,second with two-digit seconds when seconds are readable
10,31,03
